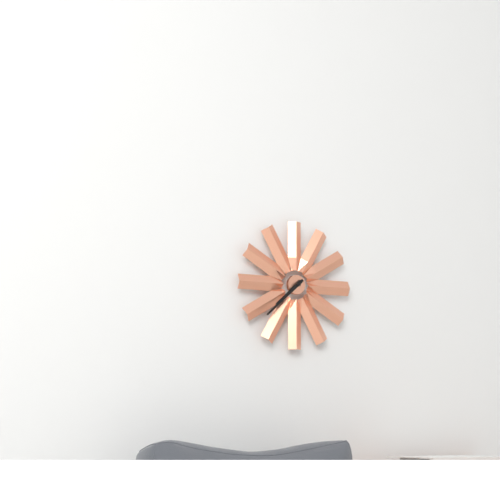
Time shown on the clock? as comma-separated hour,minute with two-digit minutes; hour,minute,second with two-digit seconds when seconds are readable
7,38
